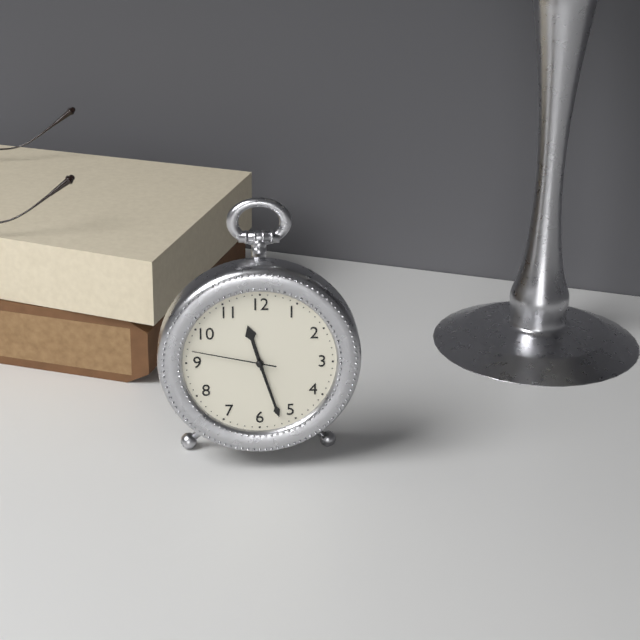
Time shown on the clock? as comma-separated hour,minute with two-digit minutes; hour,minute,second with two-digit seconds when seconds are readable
11,27,47
